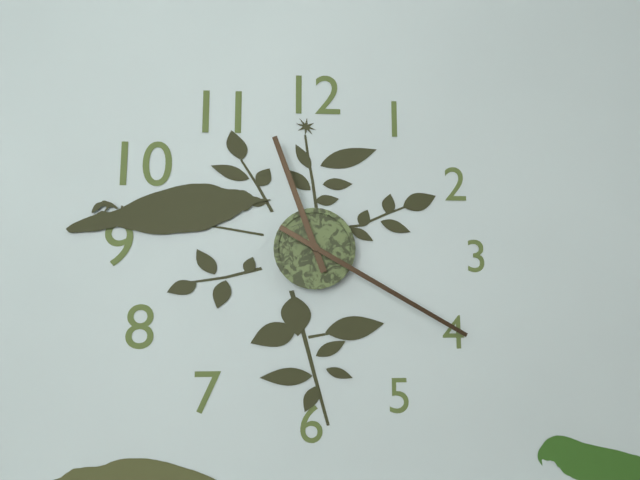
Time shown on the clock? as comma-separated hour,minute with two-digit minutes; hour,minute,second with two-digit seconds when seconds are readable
11,20
